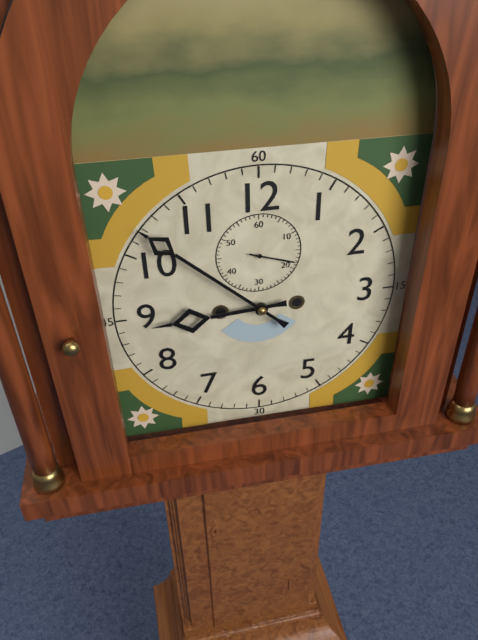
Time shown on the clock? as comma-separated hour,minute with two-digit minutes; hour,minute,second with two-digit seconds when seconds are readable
8,52
